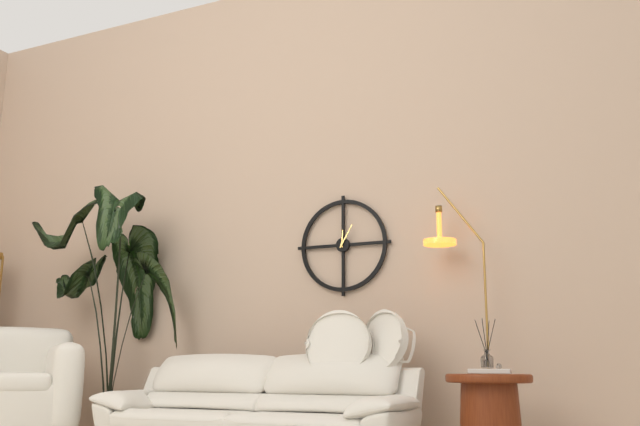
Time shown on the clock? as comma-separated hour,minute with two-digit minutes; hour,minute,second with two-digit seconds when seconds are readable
12,05
